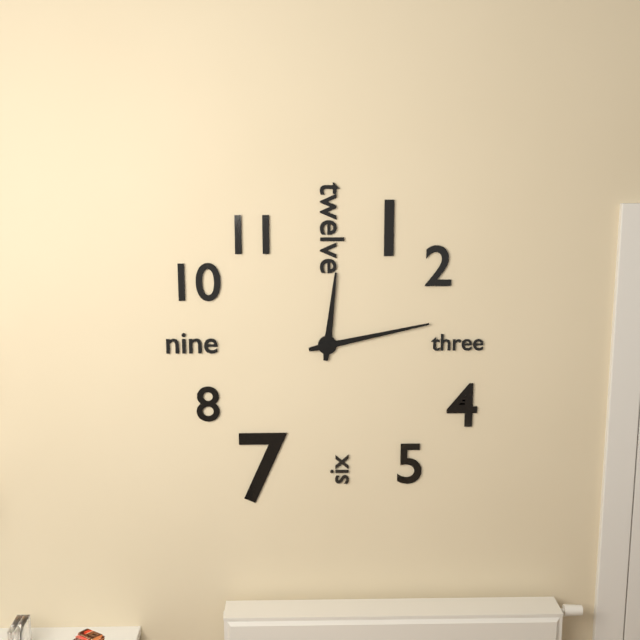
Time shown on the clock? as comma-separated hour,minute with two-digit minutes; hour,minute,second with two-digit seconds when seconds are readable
12,13
